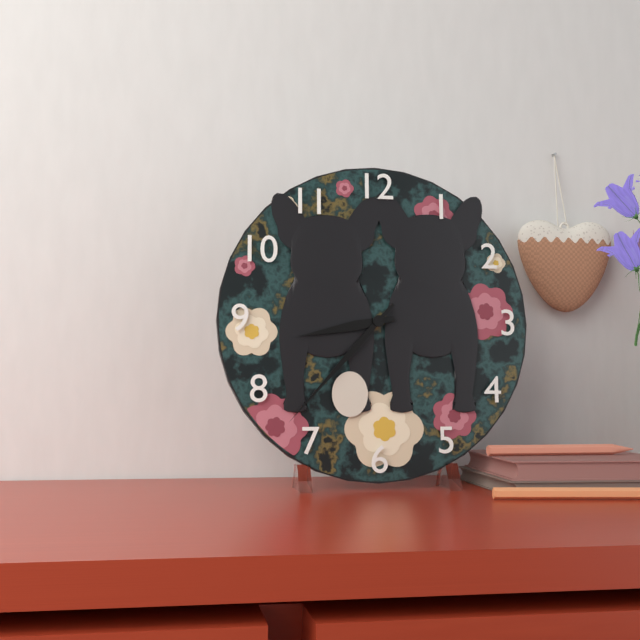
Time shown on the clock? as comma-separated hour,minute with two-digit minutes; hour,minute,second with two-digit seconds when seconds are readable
8,37
